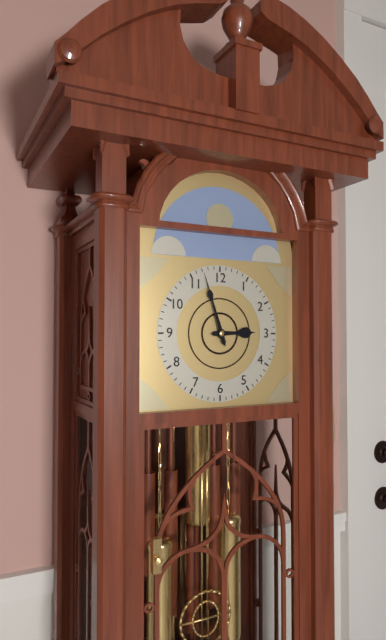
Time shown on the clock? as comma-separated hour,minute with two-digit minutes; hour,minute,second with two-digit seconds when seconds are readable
2,57
